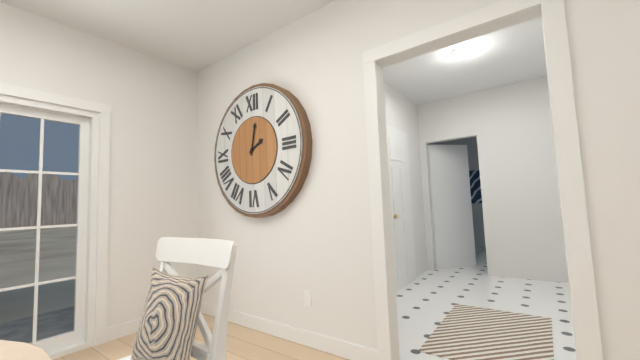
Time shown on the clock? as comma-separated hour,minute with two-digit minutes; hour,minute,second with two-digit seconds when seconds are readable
2,02
